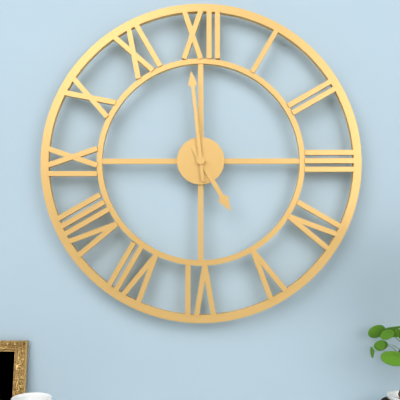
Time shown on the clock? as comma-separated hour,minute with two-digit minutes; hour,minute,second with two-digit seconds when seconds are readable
4,59
